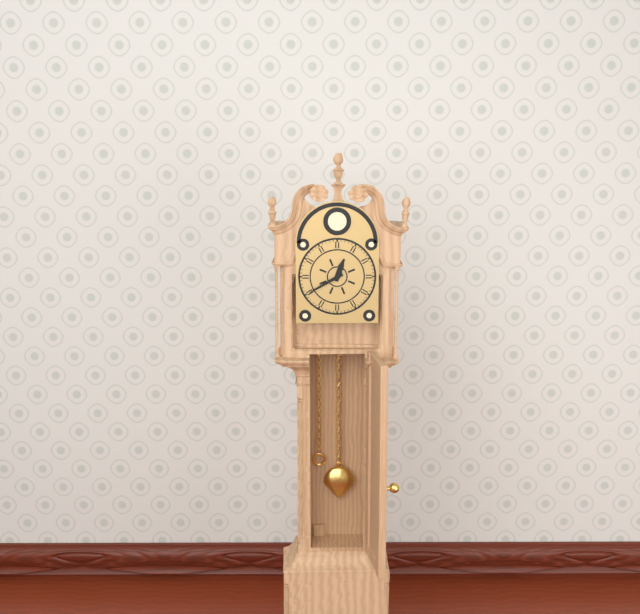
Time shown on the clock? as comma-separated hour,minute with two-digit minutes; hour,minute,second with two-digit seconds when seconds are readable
12,40
